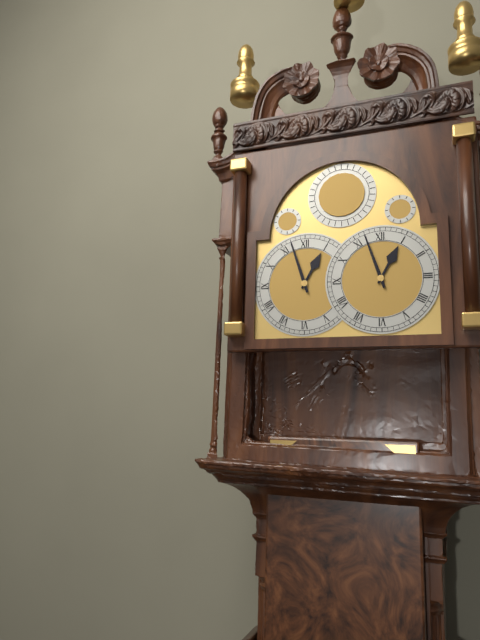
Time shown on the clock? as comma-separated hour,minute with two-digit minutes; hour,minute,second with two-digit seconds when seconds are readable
12,57
